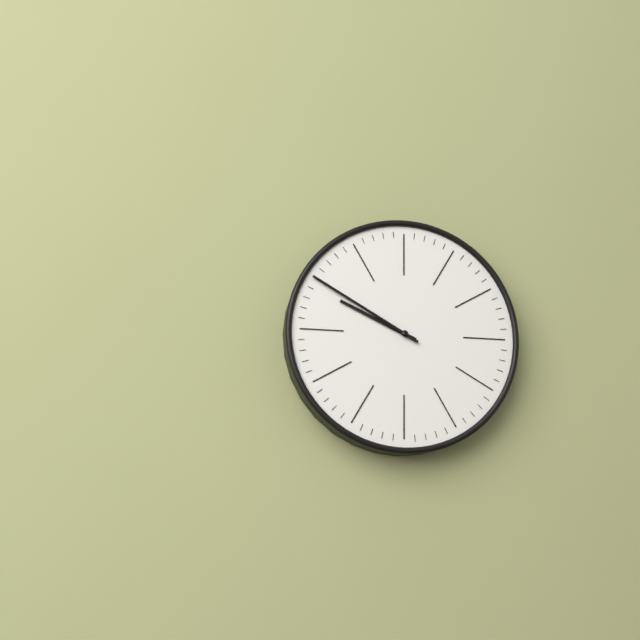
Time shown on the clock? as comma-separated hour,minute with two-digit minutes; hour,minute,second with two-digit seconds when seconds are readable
9,50
